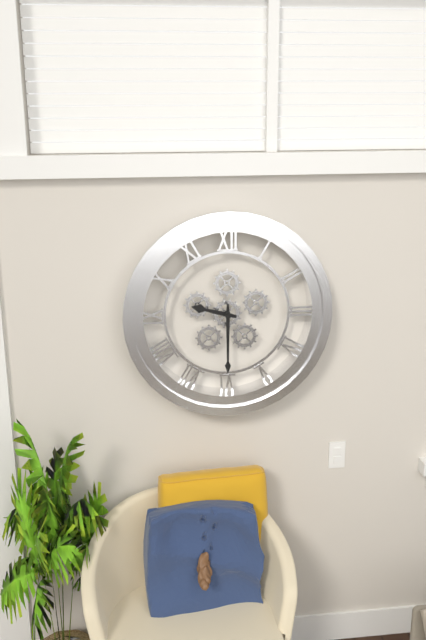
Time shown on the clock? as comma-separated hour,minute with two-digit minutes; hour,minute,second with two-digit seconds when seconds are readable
9,30
